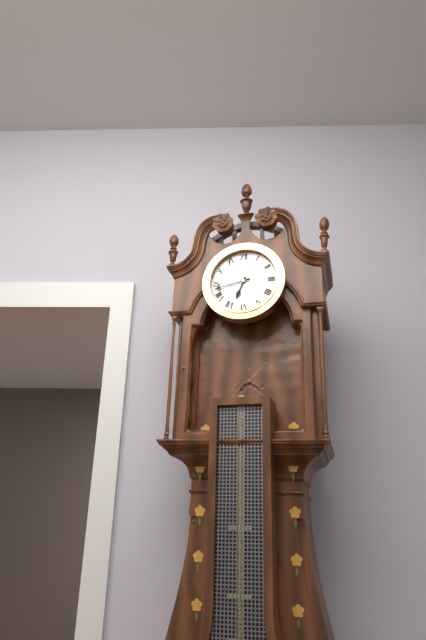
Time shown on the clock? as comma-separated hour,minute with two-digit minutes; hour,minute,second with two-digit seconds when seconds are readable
6,43
